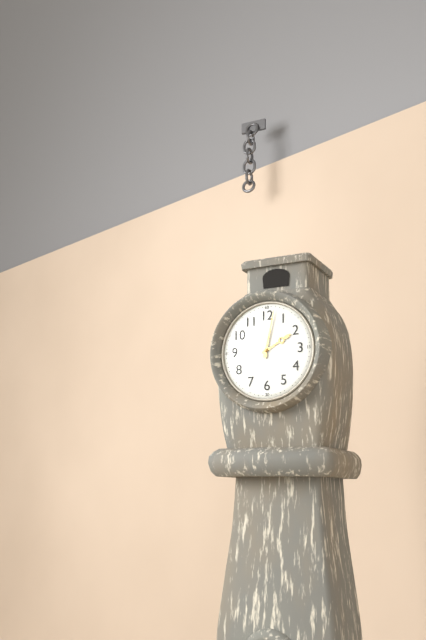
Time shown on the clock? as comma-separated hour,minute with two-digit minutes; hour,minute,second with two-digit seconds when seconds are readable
2,02
